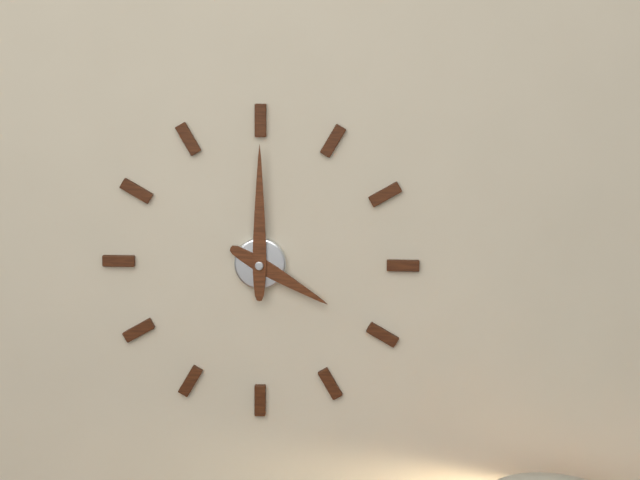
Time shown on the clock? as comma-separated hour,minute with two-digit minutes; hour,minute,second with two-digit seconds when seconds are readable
4,00
